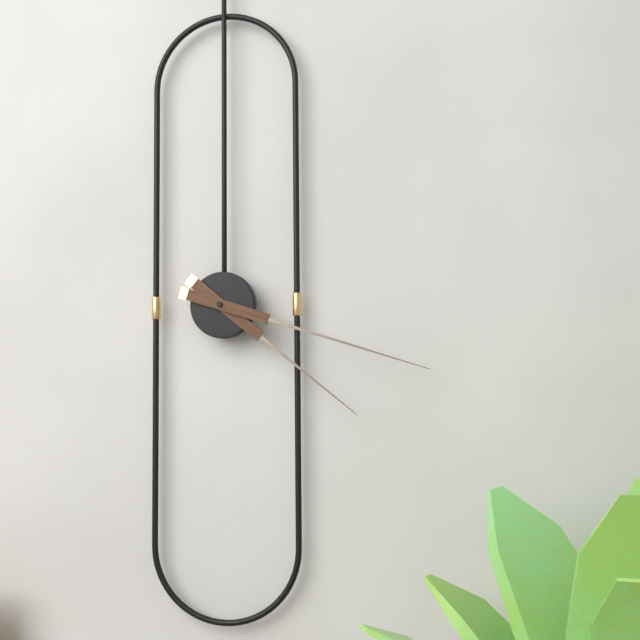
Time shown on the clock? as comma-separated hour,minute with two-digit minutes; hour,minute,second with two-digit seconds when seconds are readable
4,18
